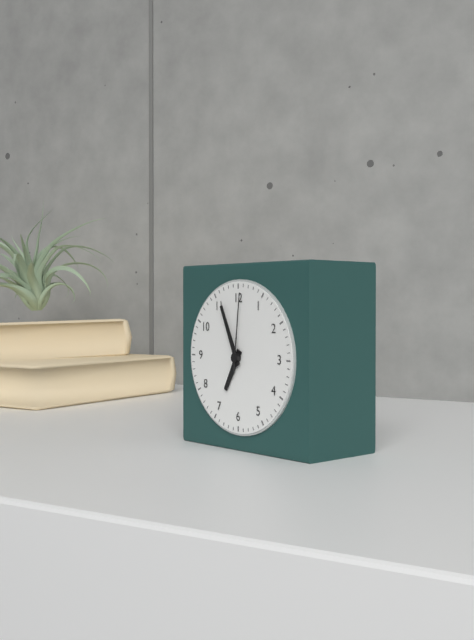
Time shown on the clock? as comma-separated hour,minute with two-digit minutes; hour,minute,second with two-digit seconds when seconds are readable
6,56,01
